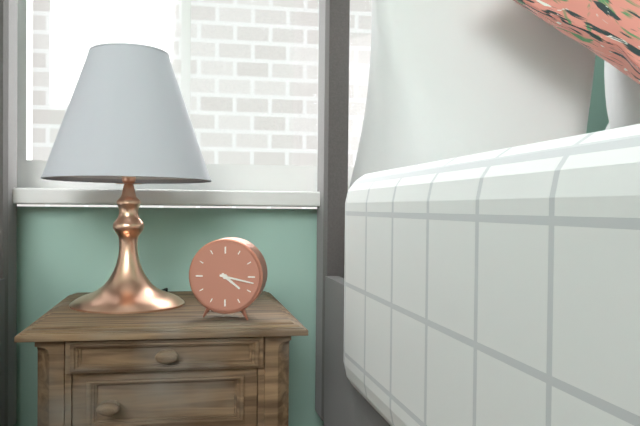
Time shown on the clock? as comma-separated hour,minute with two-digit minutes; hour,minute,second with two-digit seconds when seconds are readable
4,17
